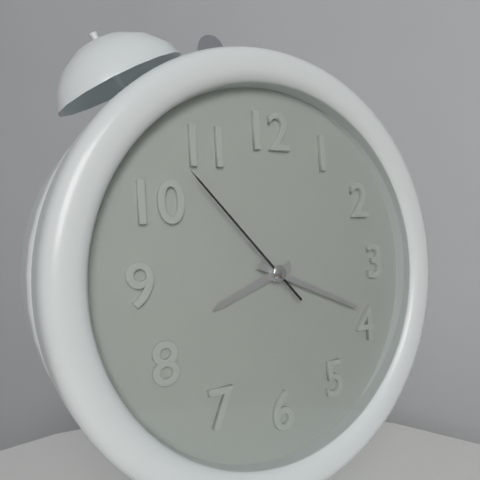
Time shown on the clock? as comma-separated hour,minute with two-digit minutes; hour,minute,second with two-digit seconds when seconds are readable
8,19,53
